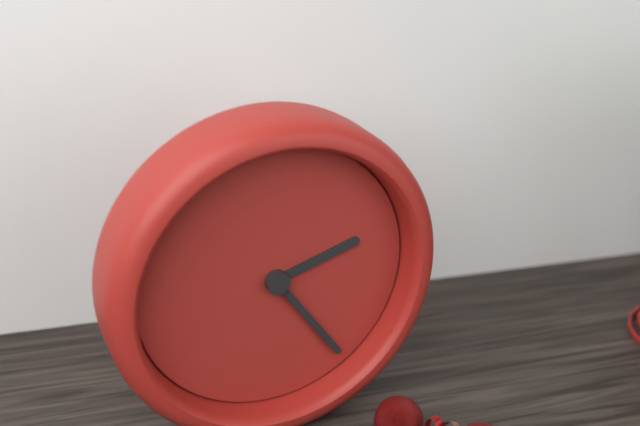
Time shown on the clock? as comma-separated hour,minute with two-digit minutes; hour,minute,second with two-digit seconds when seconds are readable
2,24
